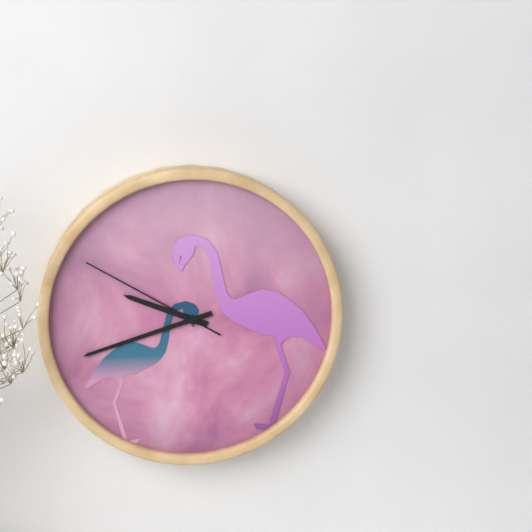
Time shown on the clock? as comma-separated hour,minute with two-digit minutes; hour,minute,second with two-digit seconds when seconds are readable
9,42,50
